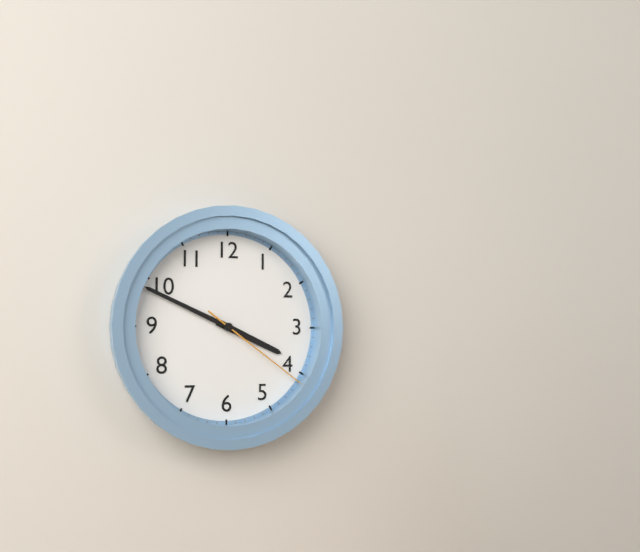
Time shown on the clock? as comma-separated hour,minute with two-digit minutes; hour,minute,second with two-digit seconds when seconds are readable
3,49,21
